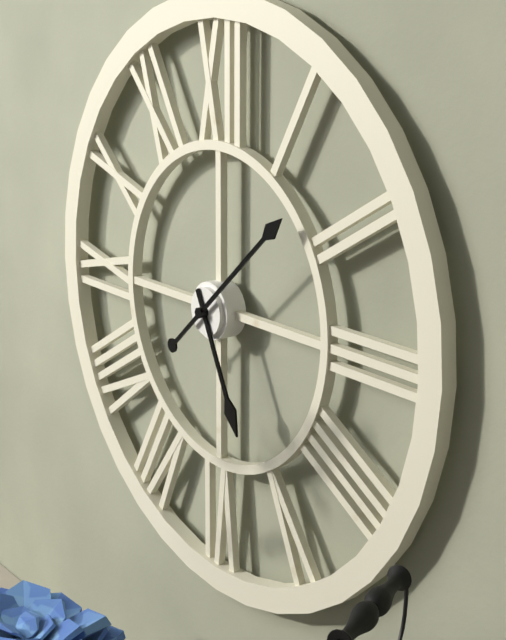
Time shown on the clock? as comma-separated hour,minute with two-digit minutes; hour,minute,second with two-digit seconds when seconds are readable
5,08
